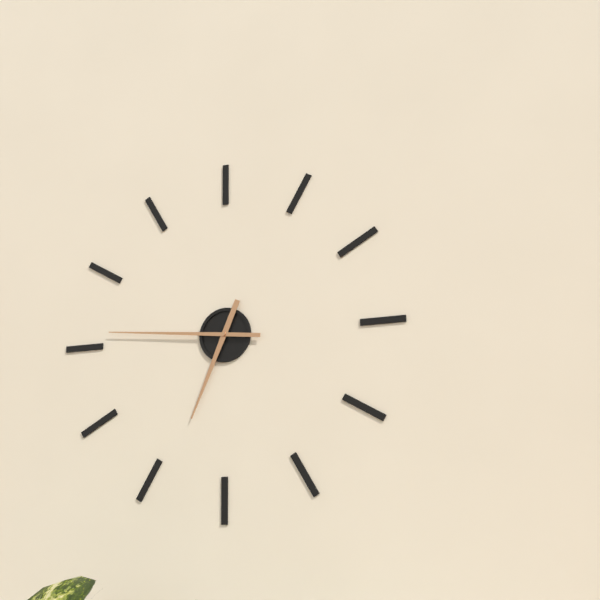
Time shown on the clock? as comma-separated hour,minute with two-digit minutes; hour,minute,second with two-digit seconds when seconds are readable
6,46
